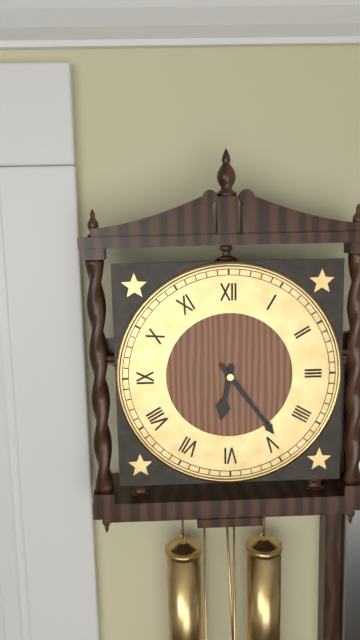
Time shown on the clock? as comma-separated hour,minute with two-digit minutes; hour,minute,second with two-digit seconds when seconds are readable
6,24
